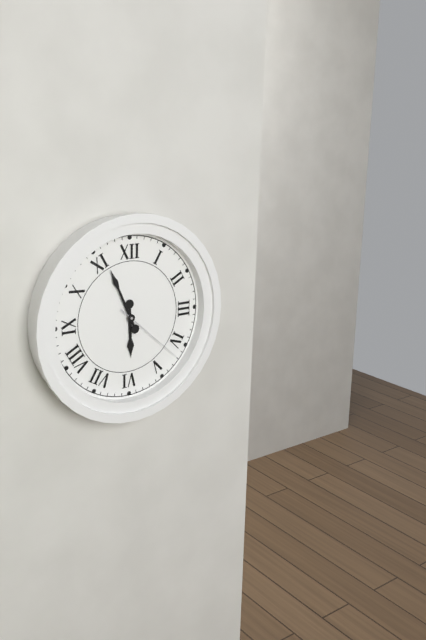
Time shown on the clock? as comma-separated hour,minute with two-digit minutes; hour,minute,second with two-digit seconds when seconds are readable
5,56,22
